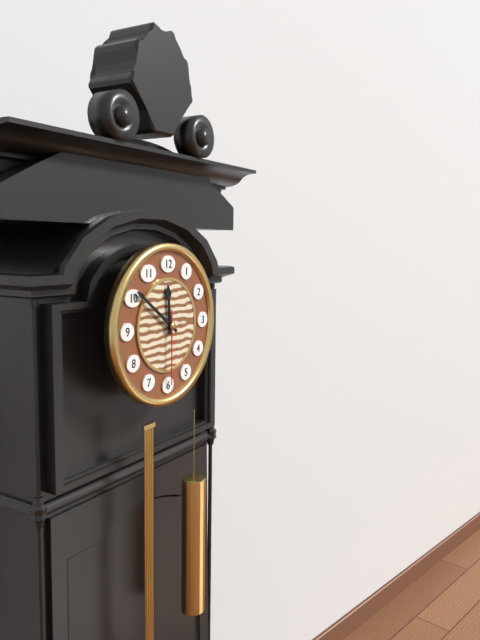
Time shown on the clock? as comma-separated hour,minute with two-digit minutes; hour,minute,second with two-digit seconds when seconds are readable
11,51,30
